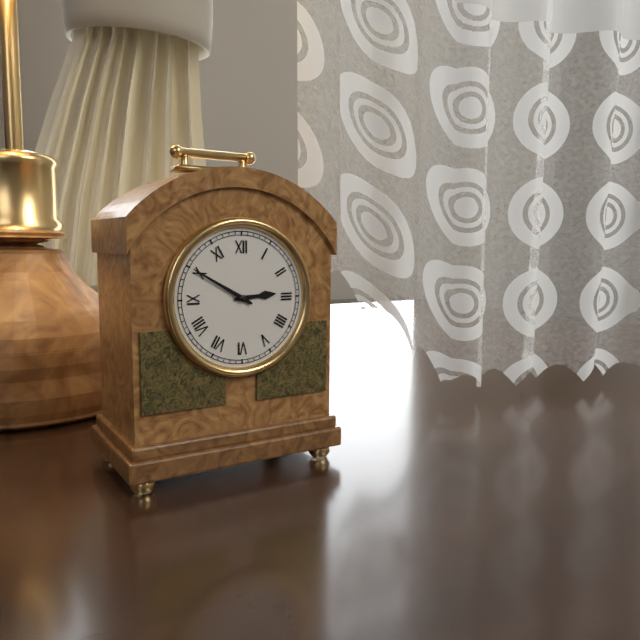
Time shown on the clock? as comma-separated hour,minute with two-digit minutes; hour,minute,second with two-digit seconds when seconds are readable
2,50
